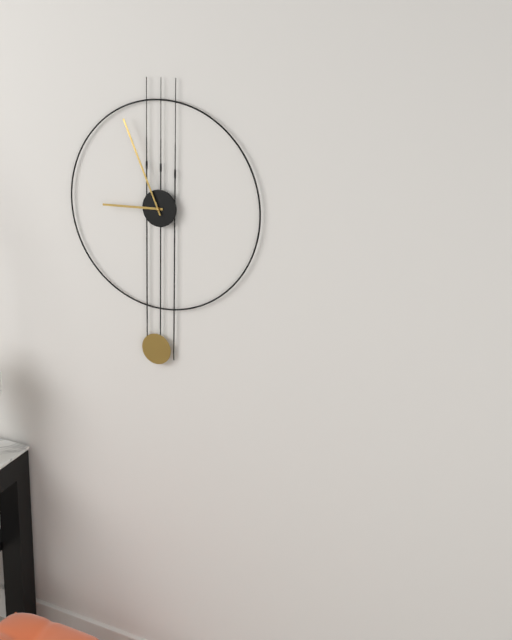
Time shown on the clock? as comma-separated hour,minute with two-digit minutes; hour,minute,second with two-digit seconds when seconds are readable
8,56
